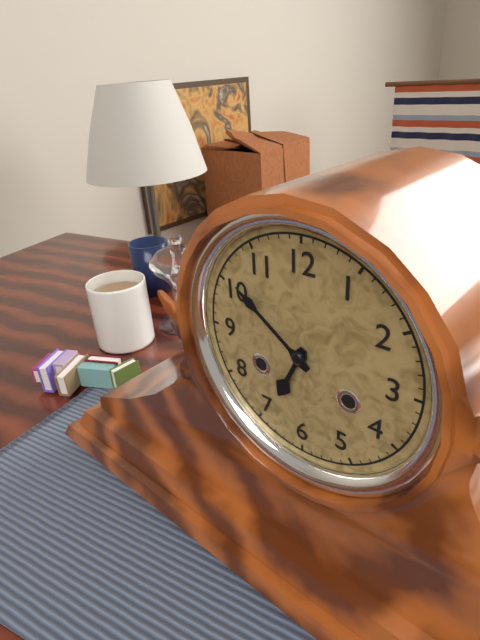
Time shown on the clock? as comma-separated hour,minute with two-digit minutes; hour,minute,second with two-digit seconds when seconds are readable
6,51
